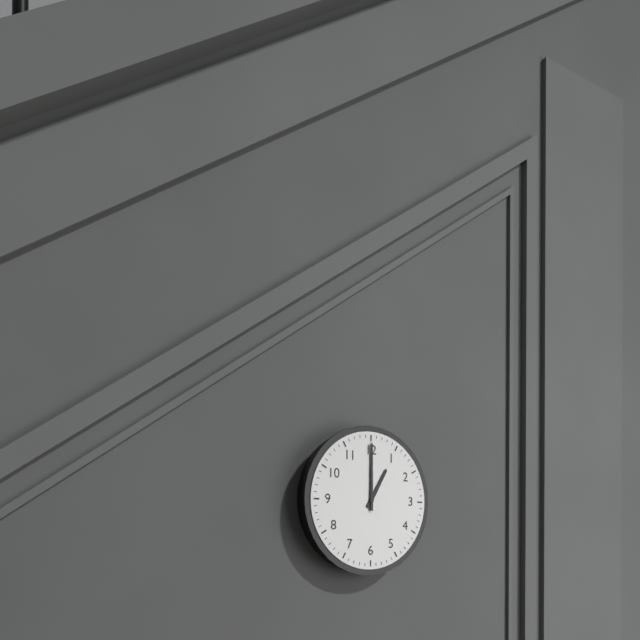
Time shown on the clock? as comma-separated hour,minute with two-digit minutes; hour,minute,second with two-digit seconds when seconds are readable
1,00
